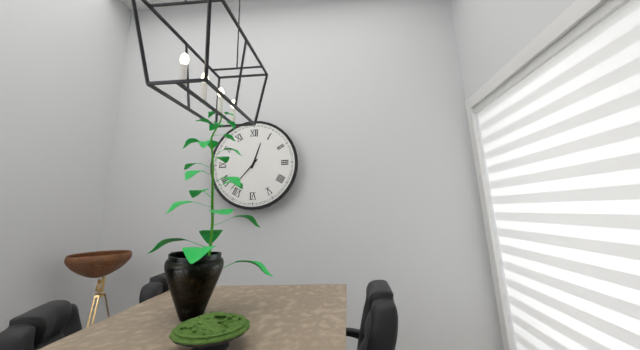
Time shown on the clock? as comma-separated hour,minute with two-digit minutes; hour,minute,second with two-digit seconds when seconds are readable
12,37
